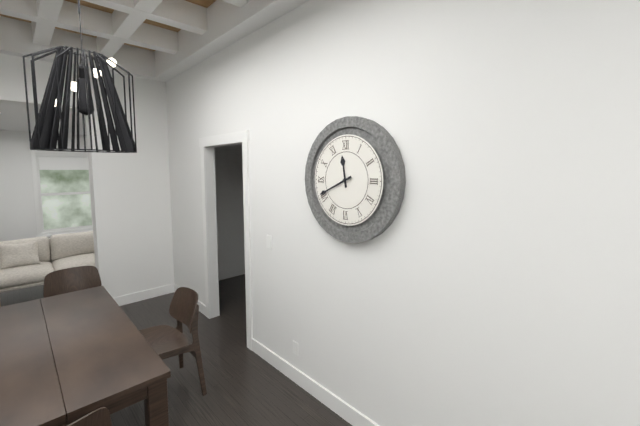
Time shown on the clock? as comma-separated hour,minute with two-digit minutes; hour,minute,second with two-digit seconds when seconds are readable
11,41
